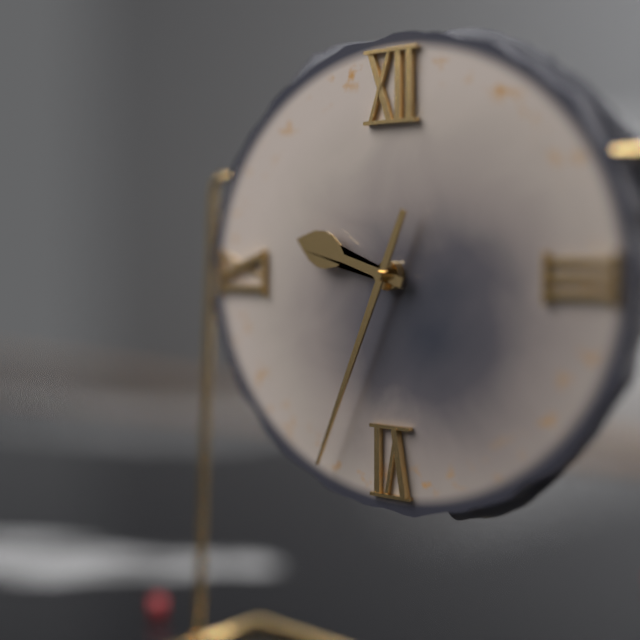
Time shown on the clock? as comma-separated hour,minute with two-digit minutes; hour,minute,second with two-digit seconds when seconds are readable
9,34
